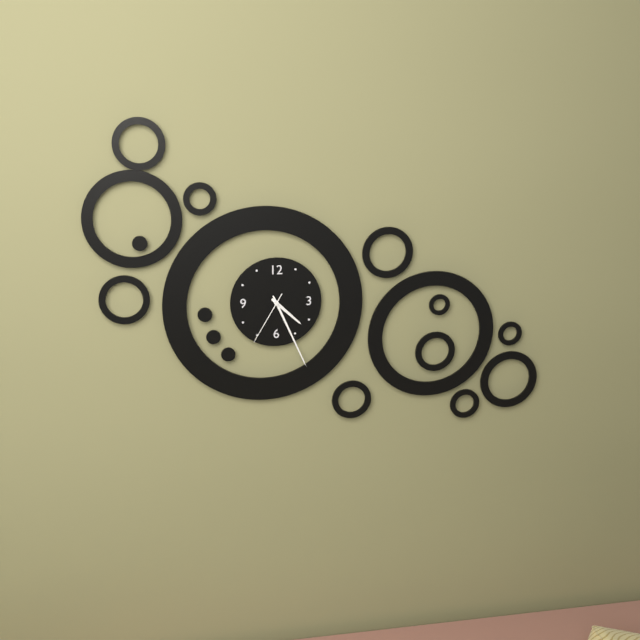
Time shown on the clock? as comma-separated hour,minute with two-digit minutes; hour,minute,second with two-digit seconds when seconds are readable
4,26,35
